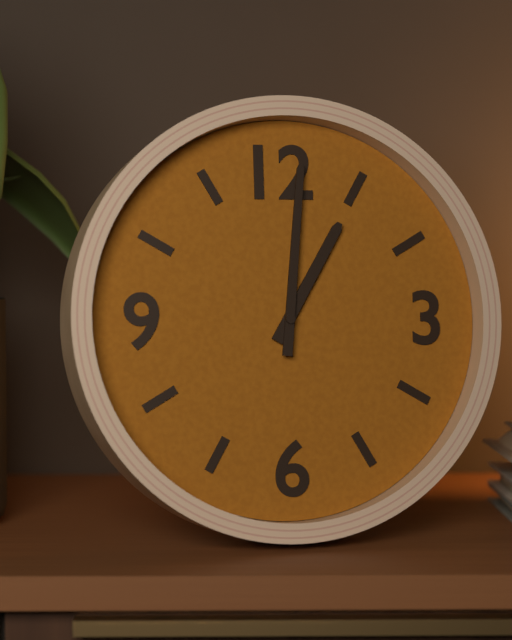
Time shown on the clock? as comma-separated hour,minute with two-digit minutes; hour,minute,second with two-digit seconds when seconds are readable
1,01
